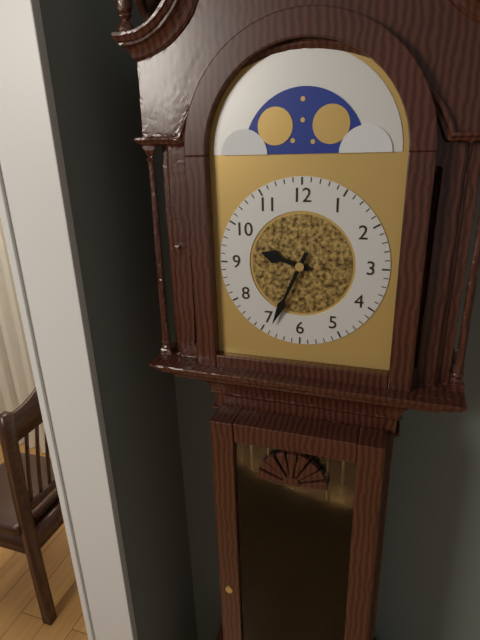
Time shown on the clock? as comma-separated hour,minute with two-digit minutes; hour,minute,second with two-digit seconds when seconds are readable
9,34
